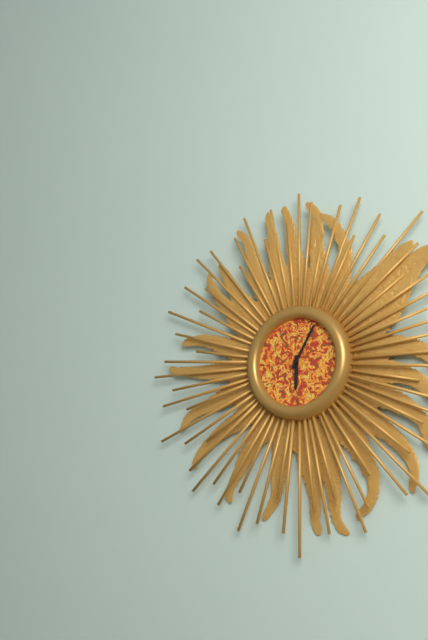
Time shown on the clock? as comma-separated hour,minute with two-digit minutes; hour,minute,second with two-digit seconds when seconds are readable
6,05
